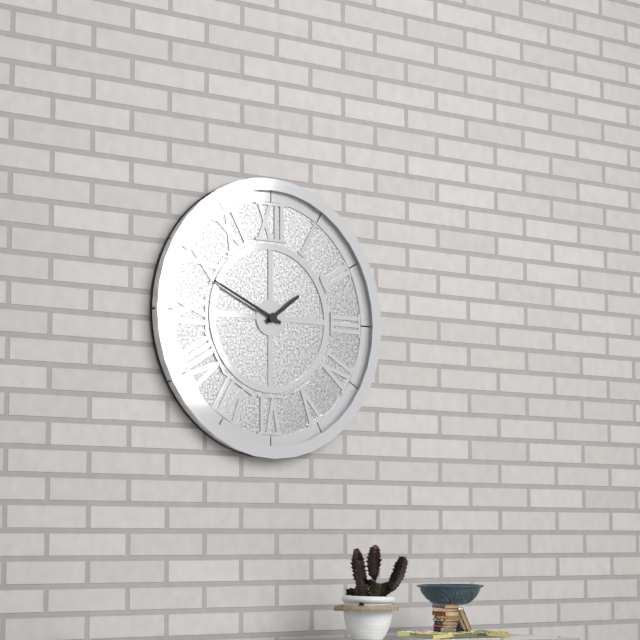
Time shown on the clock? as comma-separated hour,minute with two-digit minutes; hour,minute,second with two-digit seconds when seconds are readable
1,49
